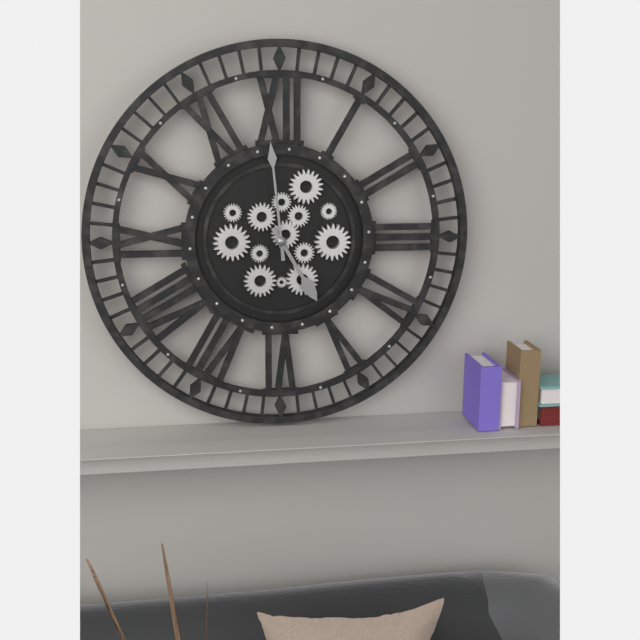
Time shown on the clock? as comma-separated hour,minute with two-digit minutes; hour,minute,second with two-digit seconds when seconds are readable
4,59
